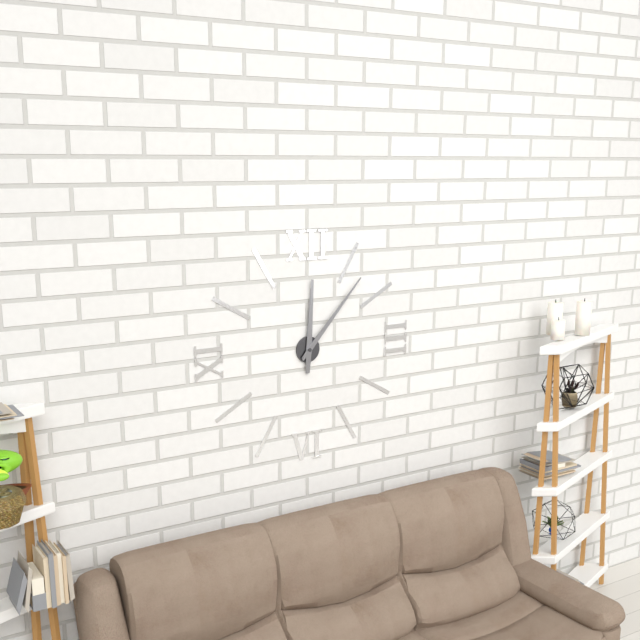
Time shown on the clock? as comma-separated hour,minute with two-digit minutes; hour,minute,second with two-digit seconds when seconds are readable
12,07
